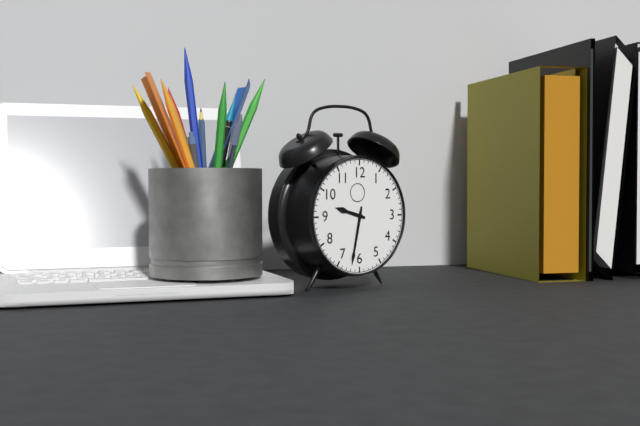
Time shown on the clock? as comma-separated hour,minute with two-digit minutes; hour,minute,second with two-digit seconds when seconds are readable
9,32
